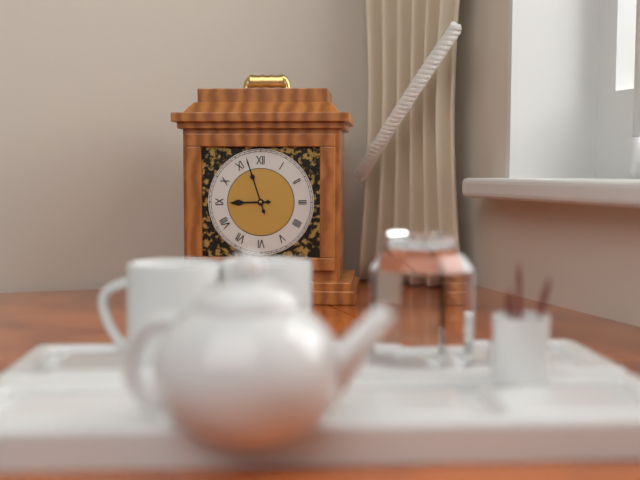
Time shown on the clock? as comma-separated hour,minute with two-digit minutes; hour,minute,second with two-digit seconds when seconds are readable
8,57
